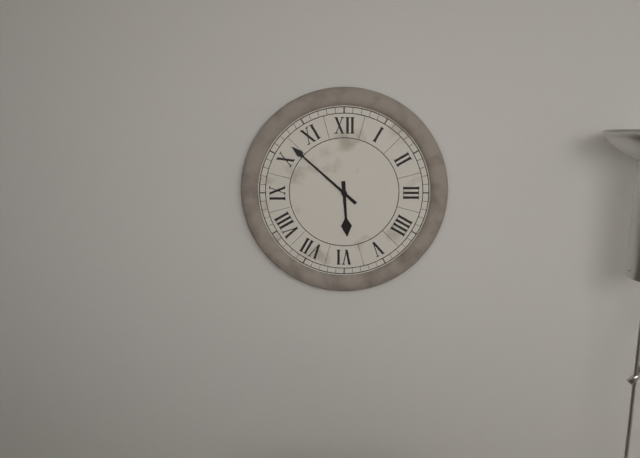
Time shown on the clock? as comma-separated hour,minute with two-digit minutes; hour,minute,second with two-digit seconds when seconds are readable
5,52
